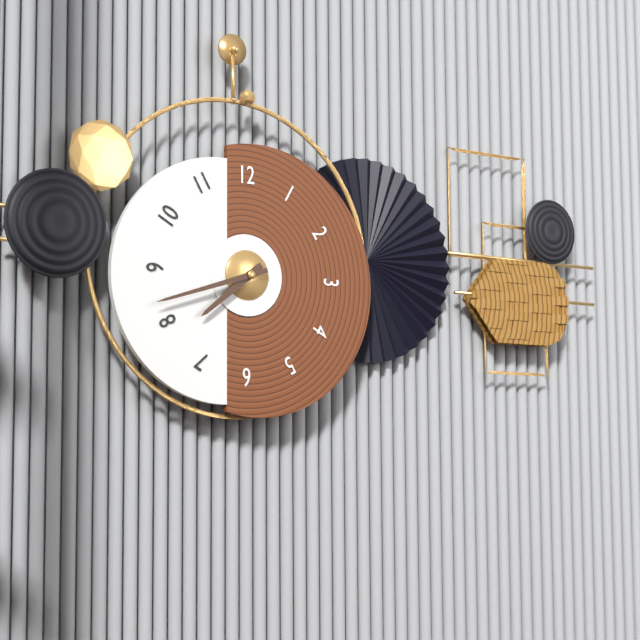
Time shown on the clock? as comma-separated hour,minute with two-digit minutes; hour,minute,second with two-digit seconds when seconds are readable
7,42
